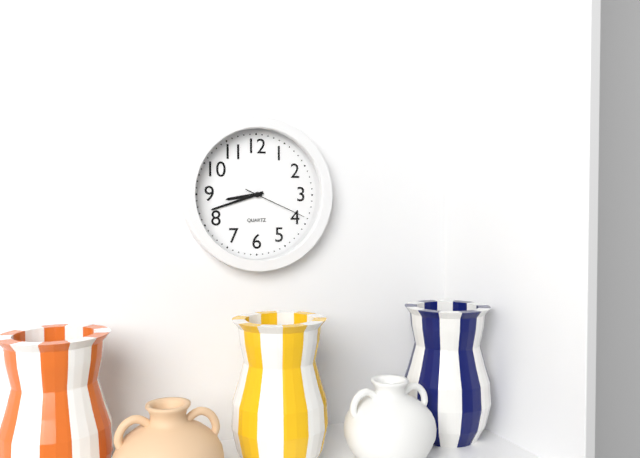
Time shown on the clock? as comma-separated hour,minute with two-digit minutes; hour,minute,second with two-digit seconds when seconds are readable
8,42,19
